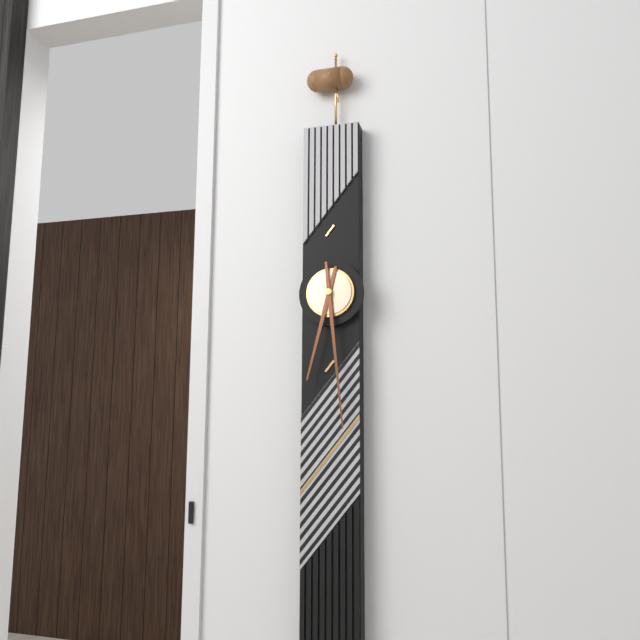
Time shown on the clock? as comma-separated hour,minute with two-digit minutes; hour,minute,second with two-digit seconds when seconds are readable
6,29
